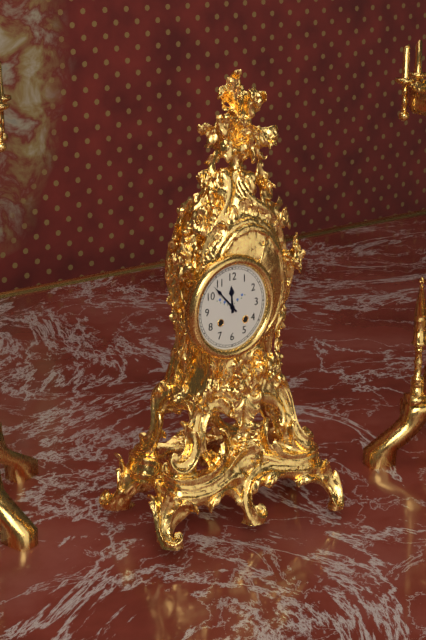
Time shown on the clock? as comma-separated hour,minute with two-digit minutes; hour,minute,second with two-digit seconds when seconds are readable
11,53
